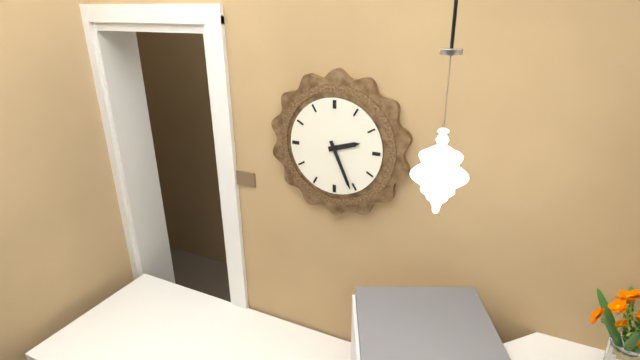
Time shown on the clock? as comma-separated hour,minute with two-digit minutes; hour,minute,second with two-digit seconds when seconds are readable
2,26
